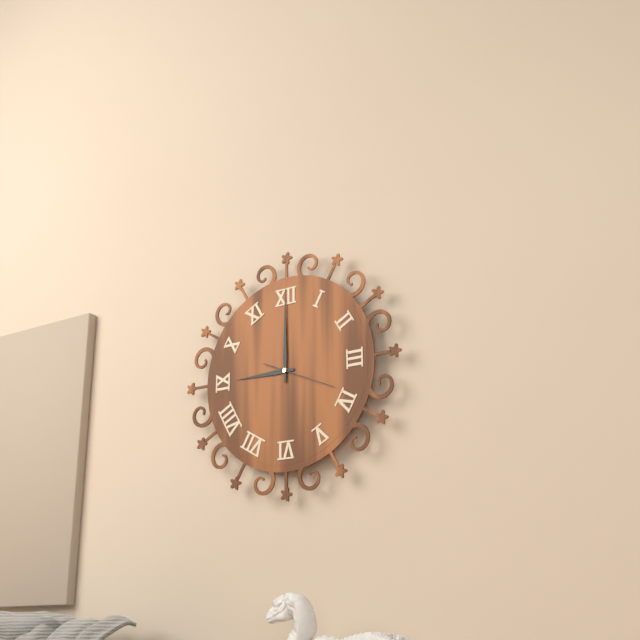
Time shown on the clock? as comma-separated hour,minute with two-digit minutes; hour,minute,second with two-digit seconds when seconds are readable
9,00,19
